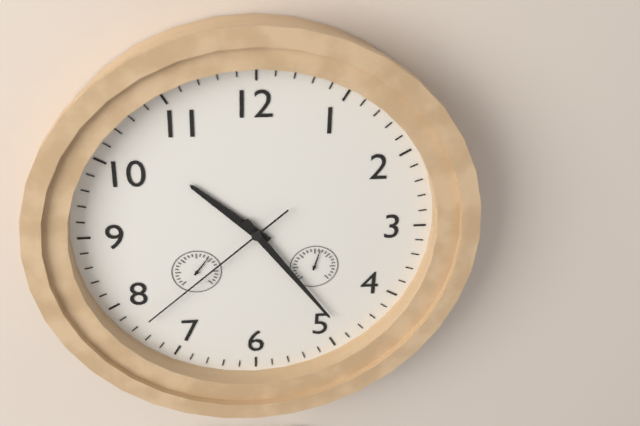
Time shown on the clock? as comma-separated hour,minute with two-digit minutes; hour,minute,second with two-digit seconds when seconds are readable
10,24,38
